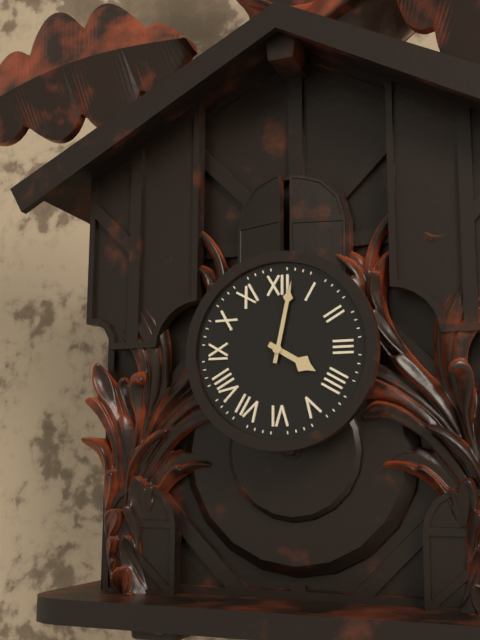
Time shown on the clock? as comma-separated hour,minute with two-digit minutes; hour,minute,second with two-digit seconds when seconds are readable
4,02
